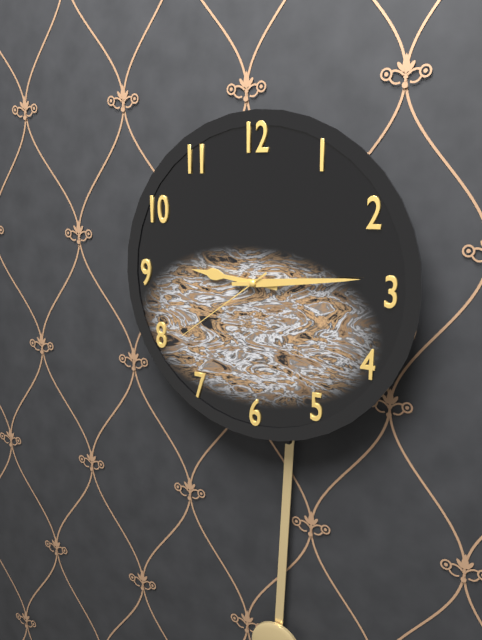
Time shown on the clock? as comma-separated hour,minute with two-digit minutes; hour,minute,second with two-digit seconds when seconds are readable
9,14,39
